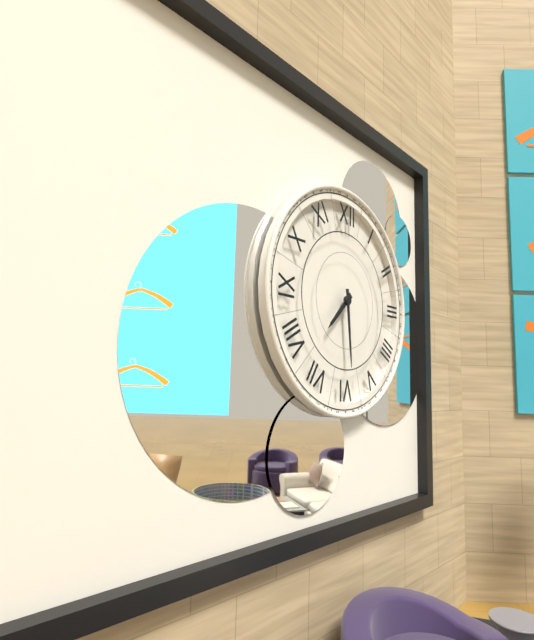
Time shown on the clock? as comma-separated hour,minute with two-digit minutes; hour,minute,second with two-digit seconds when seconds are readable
7,29
